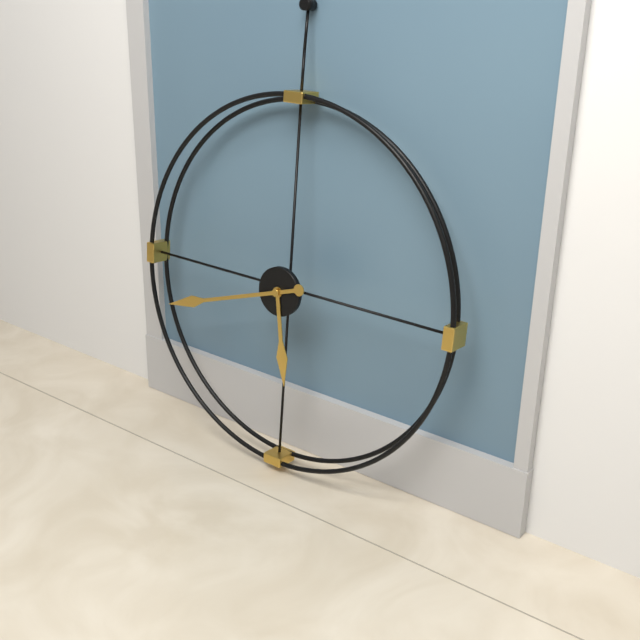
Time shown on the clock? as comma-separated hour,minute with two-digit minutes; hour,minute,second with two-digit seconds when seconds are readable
5,42
